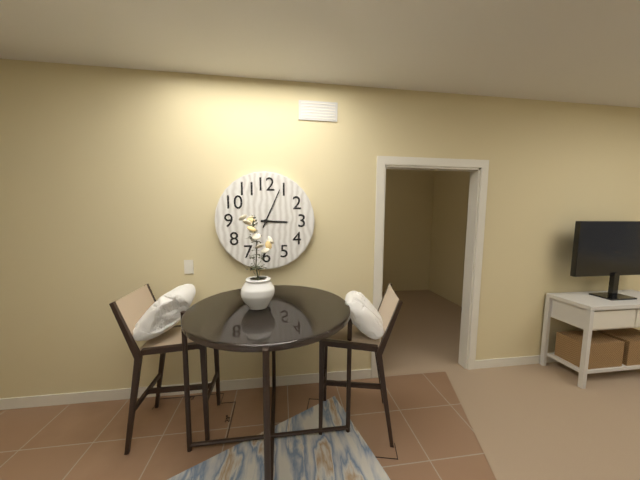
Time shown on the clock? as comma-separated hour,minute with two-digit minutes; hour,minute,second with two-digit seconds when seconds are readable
3,04
